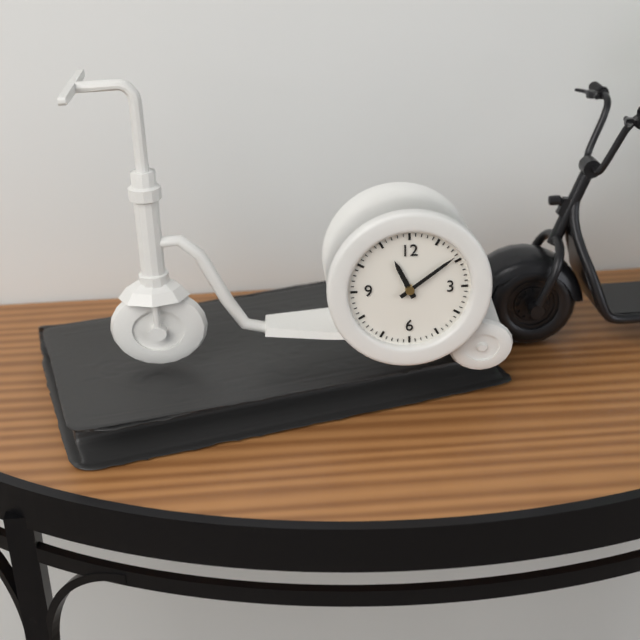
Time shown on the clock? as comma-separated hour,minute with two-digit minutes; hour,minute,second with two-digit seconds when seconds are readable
11,09
